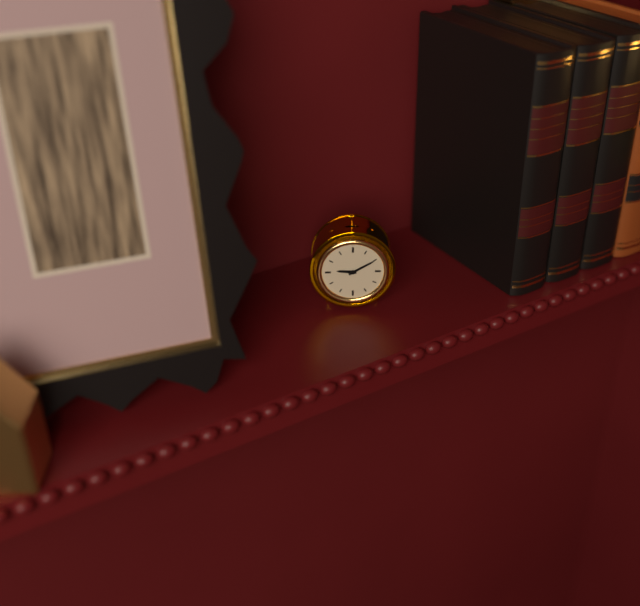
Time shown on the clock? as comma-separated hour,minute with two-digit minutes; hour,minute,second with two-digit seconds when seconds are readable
9,10
